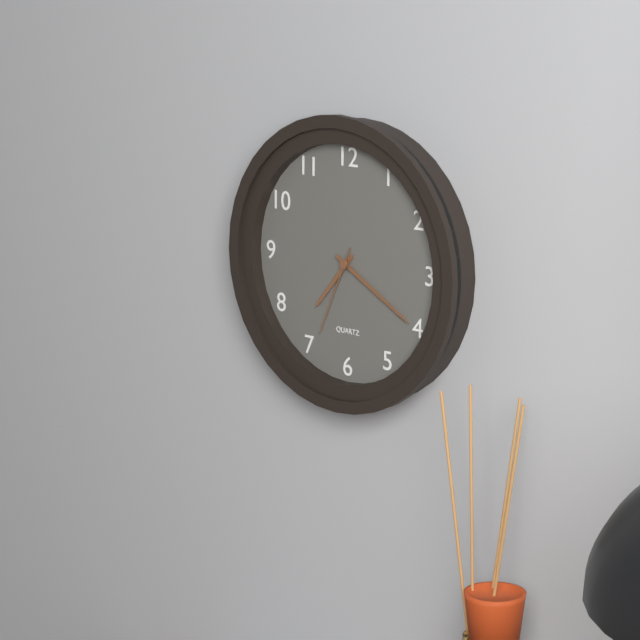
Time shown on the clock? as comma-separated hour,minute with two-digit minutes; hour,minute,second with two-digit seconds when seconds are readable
7,20,34
